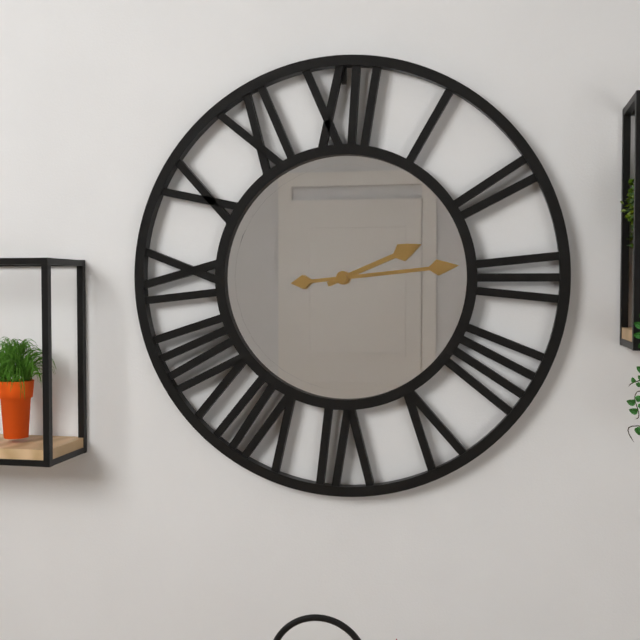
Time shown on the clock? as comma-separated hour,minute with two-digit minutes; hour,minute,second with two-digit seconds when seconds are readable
2,14
